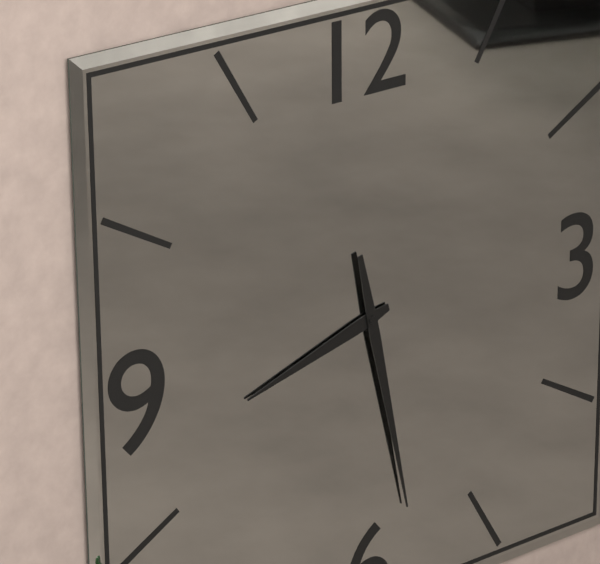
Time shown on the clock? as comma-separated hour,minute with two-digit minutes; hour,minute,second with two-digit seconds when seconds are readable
8,28
